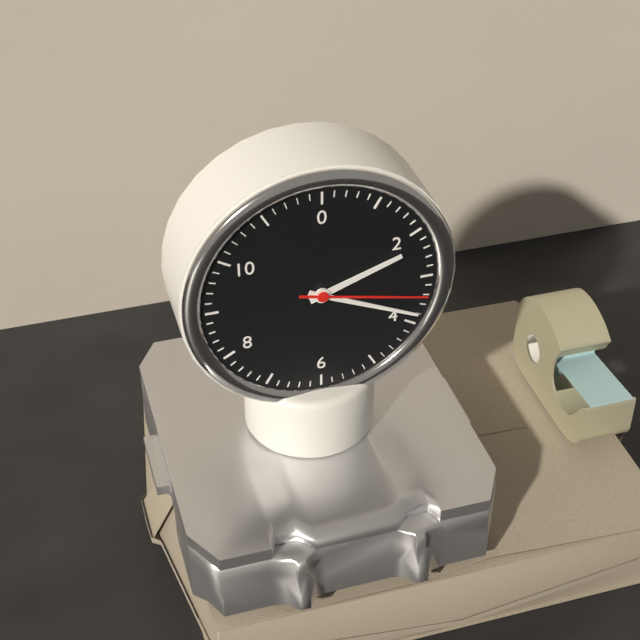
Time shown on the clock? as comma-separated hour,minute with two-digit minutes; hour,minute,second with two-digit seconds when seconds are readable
2,19,17
